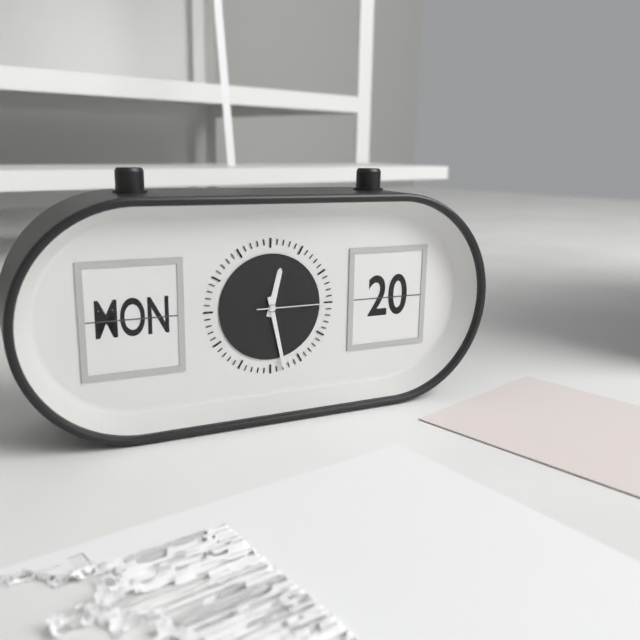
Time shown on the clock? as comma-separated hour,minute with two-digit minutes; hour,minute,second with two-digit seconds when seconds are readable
12,28,15
